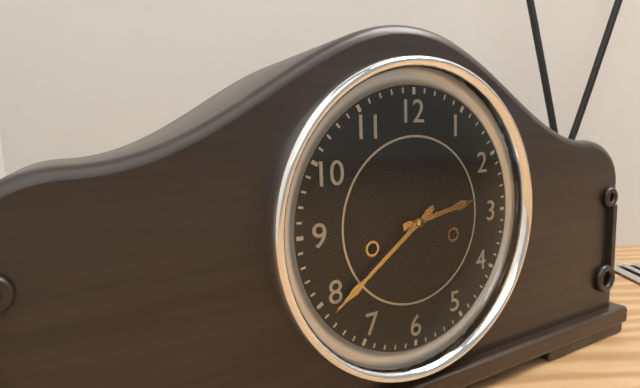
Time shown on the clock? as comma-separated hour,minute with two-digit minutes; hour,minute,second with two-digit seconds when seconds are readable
2,39
